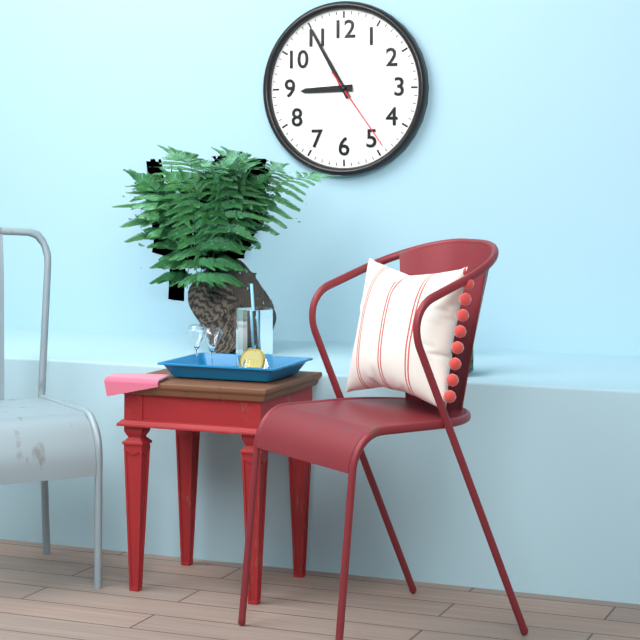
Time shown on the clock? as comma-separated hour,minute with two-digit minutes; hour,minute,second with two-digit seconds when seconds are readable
8,55,24
